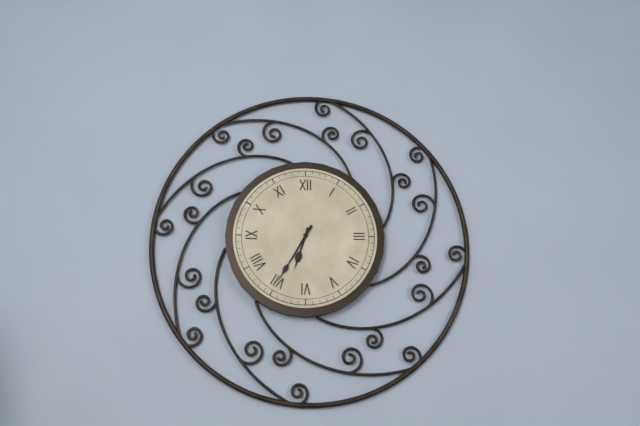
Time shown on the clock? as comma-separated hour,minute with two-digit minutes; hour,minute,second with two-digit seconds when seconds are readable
6,35
